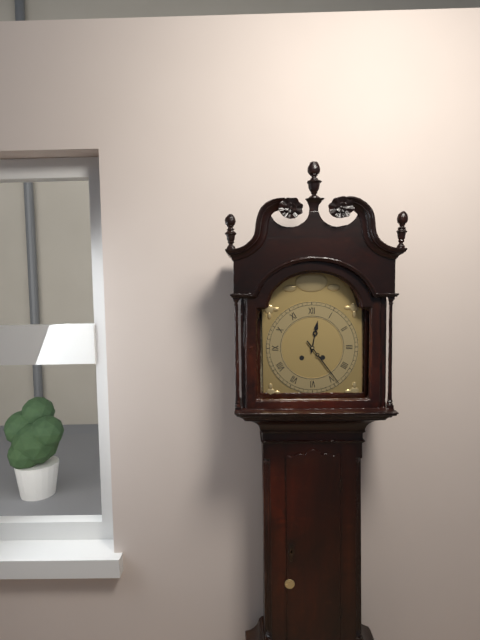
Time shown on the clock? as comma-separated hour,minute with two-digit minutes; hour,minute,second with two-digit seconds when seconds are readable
12,24
